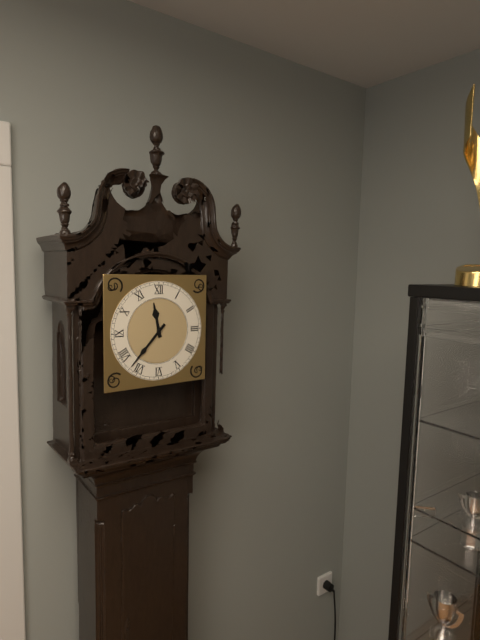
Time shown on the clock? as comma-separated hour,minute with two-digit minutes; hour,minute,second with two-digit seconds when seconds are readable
11,37
